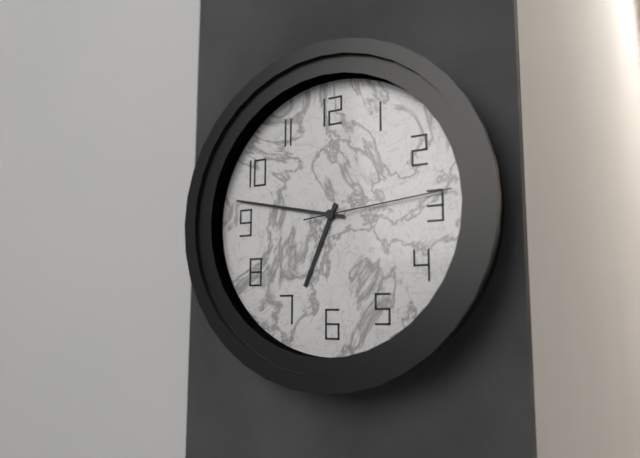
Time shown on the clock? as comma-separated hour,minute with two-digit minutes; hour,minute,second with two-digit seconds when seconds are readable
6,47,14
